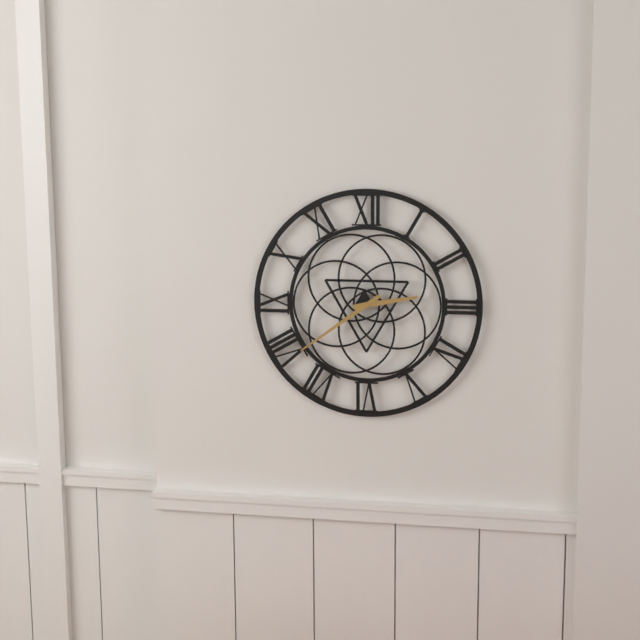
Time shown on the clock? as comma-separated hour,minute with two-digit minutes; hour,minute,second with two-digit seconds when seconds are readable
2,39
